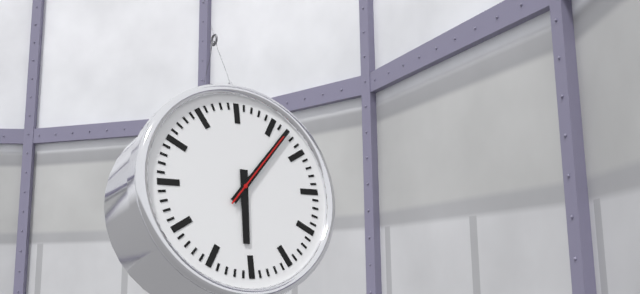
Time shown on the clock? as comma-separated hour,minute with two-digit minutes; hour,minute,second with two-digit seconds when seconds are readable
6,07,07
